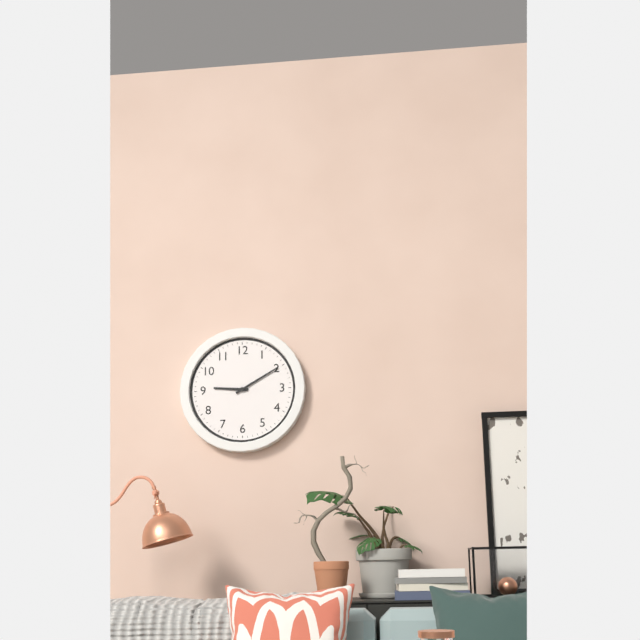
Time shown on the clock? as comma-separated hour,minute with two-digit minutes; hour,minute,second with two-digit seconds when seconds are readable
9,10
